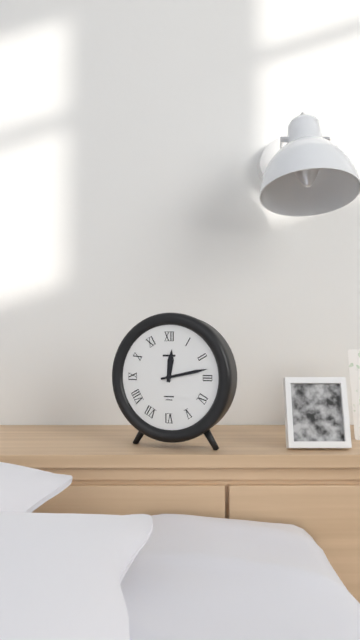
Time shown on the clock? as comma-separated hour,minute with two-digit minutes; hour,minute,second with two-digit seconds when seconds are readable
12,13
